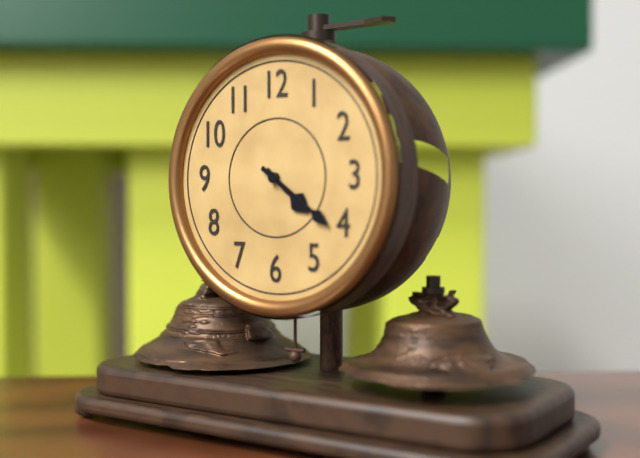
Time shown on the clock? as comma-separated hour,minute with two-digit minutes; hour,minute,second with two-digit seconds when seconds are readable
4,21
